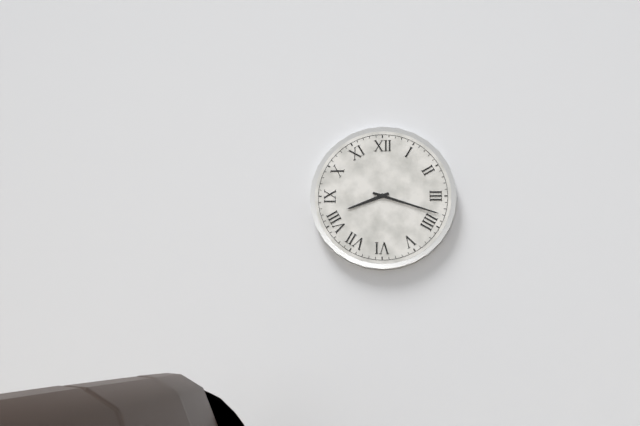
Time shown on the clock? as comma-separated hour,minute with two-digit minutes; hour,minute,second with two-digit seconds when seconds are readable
8,18
